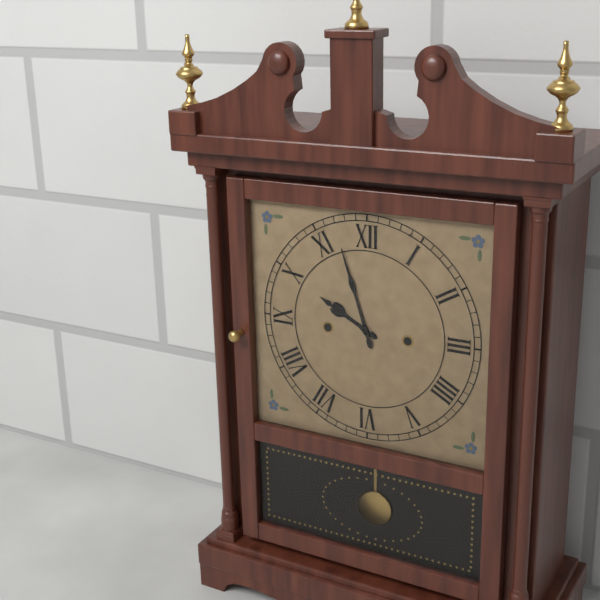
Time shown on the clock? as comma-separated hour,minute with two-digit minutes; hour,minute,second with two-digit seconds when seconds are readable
9,57
